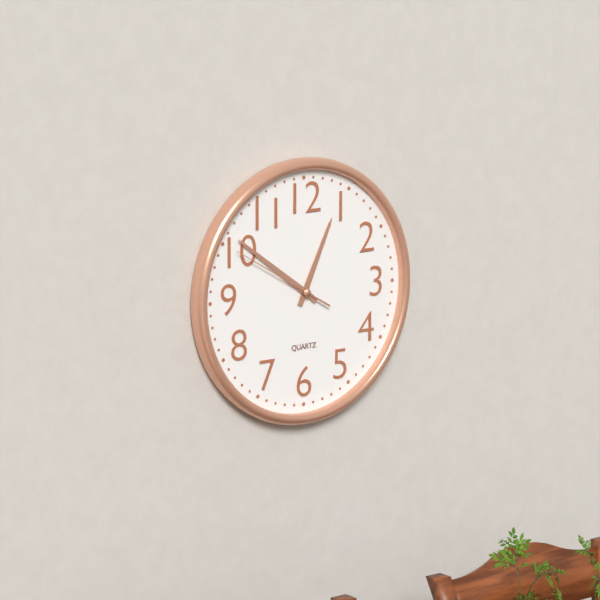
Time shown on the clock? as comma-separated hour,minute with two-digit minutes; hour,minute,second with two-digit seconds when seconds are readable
12,51,50
